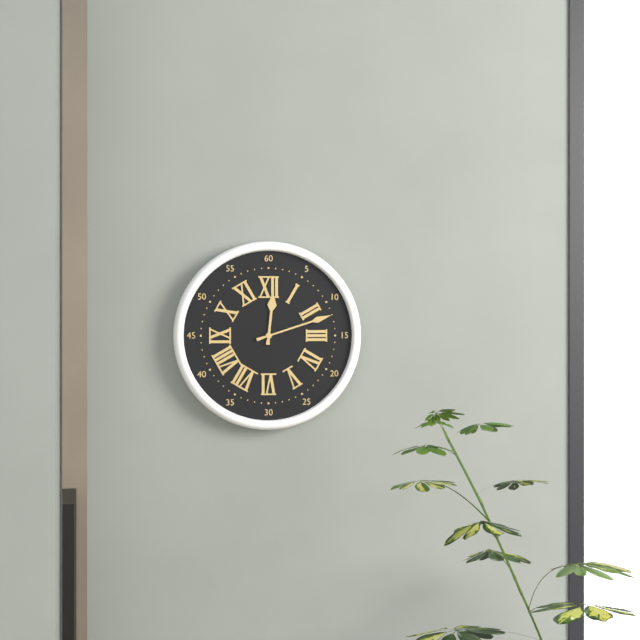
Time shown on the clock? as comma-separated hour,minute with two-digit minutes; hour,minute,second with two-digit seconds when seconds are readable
12,12
